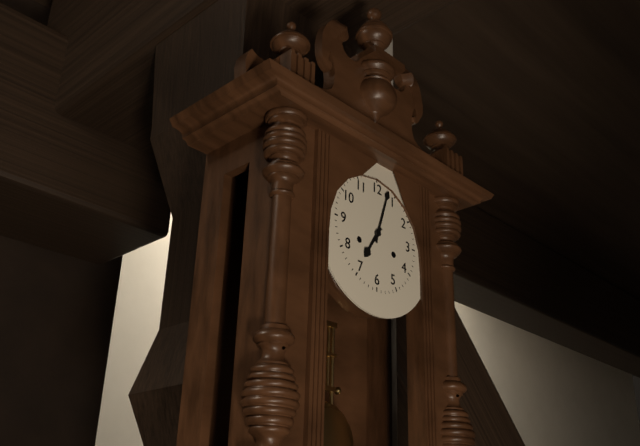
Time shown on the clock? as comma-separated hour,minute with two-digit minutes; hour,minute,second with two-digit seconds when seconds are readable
7,03
